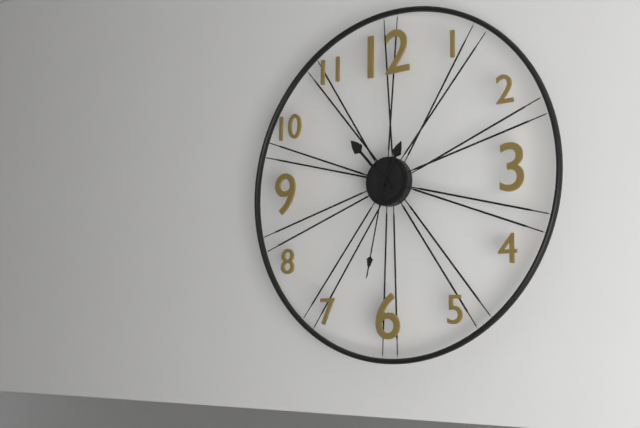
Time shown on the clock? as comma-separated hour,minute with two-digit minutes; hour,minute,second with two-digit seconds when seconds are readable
12,53,32
